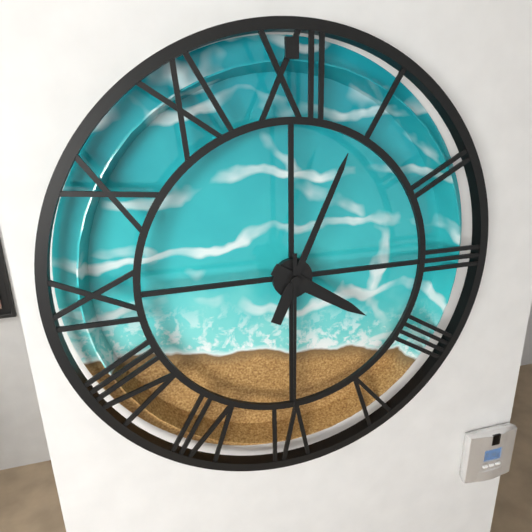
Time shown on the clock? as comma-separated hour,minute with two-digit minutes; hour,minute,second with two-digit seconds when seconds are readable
4,04,30
